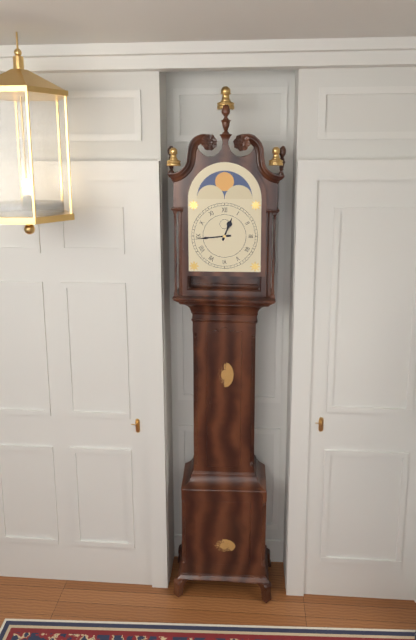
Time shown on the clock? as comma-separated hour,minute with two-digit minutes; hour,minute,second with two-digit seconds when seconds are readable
12,44
